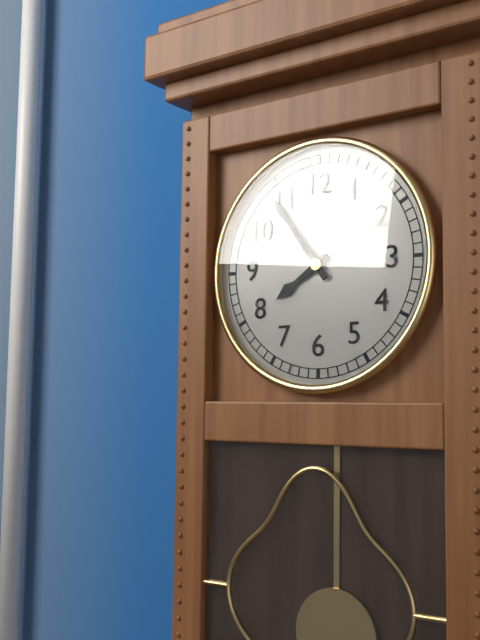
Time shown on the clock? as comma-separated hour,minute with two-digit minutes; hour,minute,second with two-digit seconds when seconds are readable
7,54
